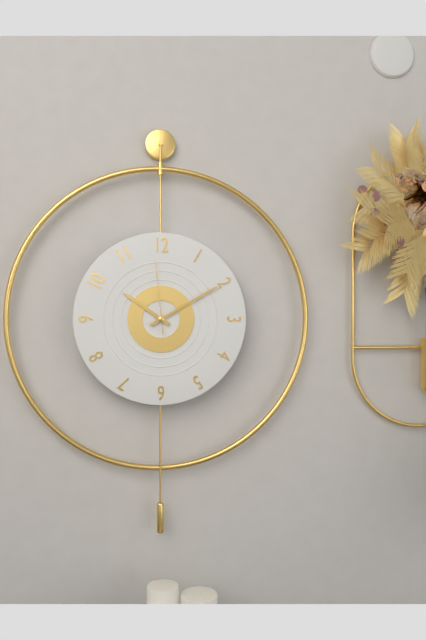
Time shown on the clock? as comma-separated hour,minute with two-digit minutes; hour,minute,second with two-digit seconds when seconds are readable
10,10,59
